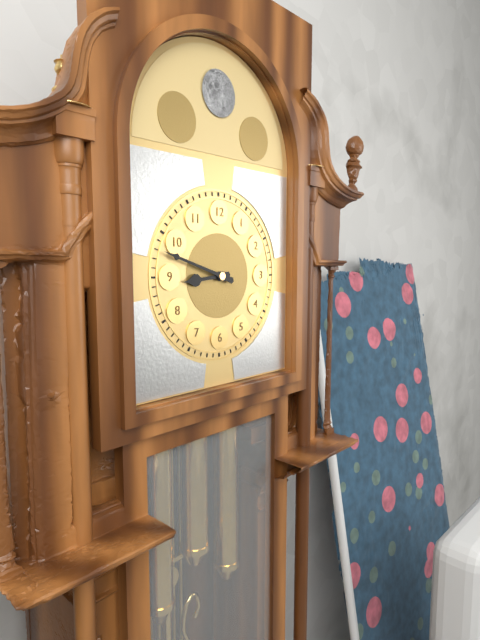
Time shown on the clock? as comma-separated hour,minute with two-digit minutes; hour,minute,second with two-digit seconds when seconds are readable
8,48
